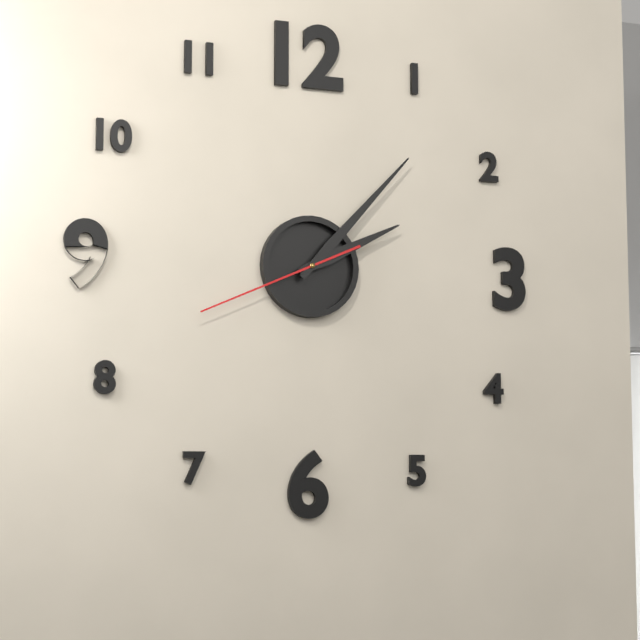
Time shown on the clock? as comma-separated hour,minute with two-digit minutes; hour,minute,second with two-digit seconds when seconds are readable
2,07,41
